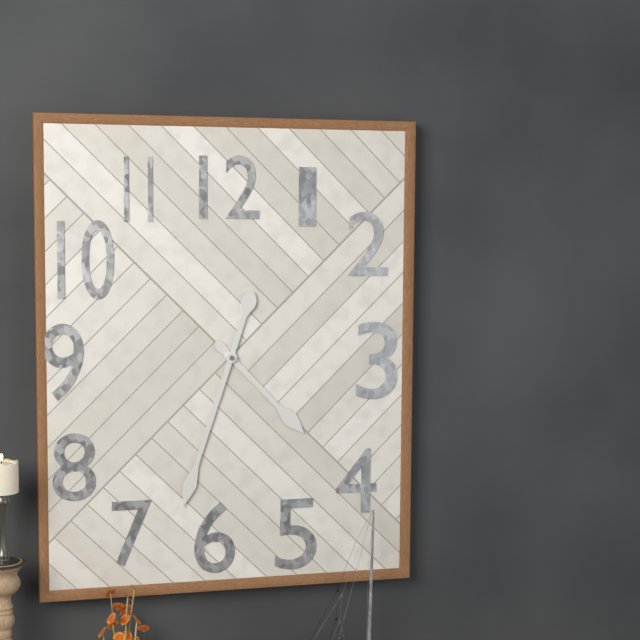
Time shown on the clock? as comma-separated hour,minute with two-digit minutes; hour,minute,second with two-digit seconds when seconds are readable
4,33
